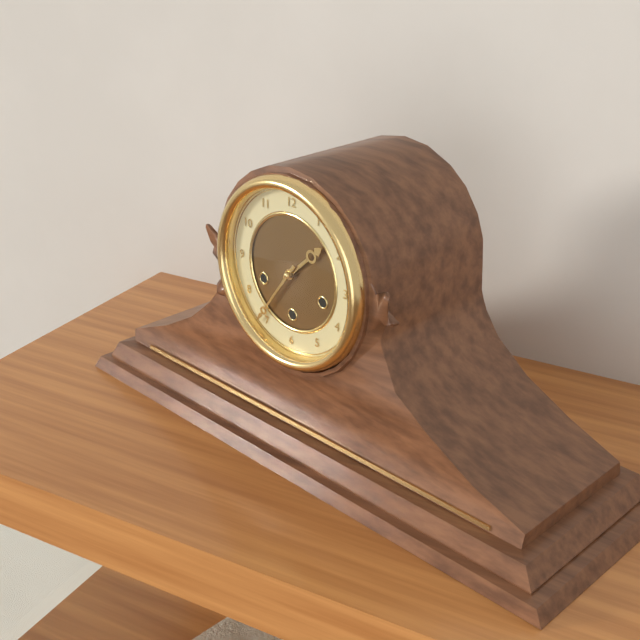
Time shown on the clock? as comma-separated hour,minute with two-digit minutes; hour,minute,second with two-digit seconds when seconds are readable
1,36
